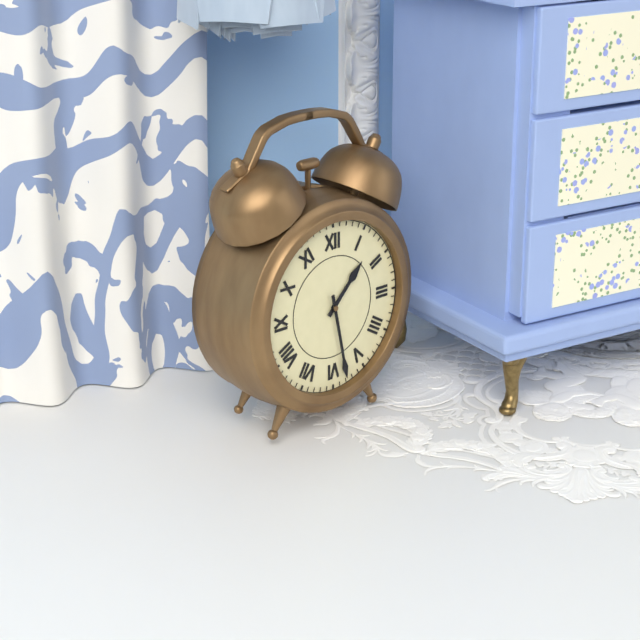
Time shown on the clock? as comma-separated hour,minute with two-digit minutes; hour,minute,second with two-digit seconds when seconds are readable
1,28
